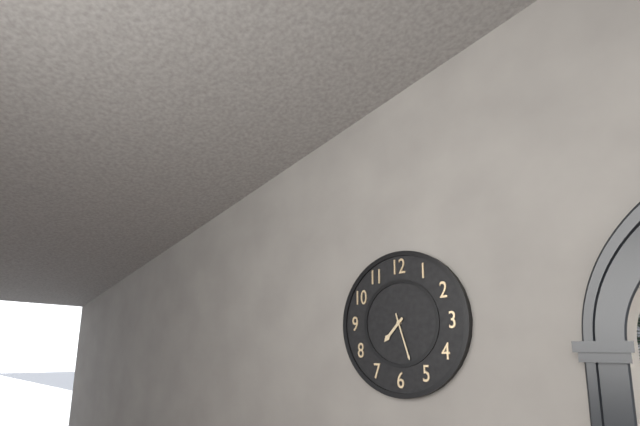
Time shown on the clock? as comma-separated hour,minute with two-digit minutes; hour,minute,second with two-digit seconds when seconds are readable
7,27
